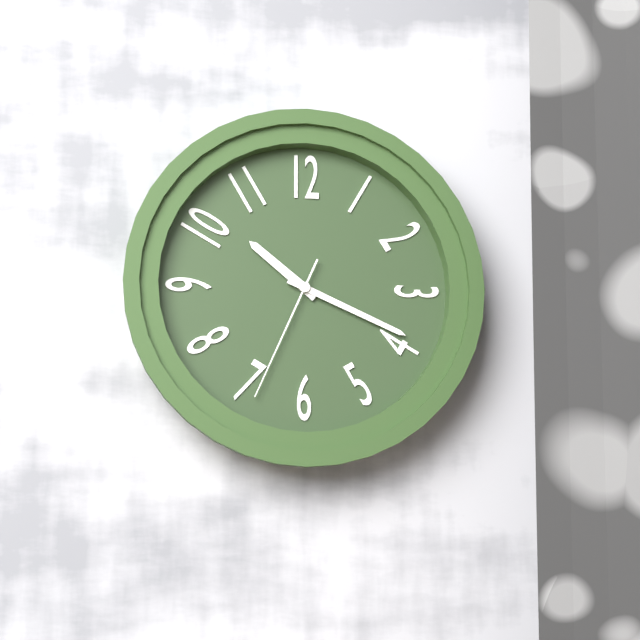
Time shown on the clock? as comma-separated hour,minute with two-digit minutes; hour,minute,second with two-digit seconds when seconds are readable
10,19,34
